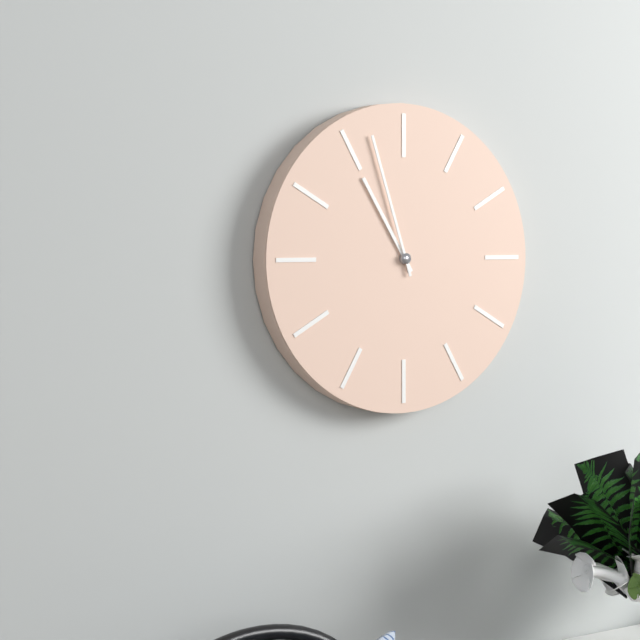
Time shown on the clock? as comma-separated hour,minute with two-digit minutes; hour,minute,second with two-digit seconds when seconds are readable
10,57
